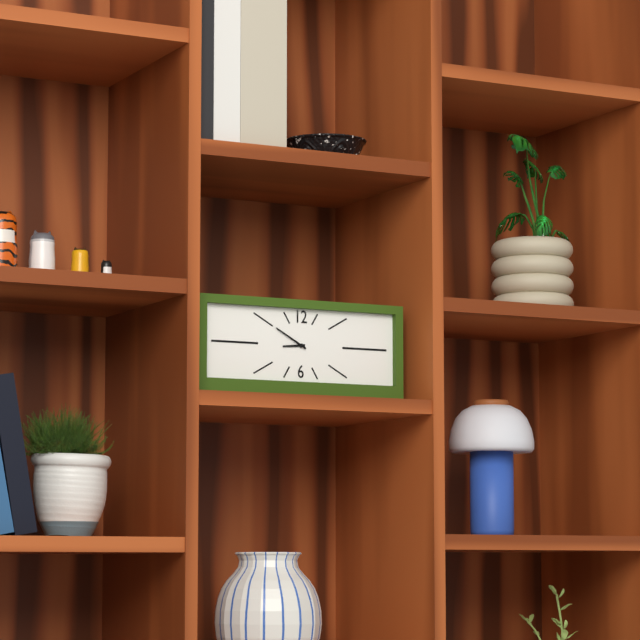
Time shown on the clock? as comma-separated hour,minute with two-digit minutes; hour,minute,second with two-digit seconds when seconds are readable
8,50
